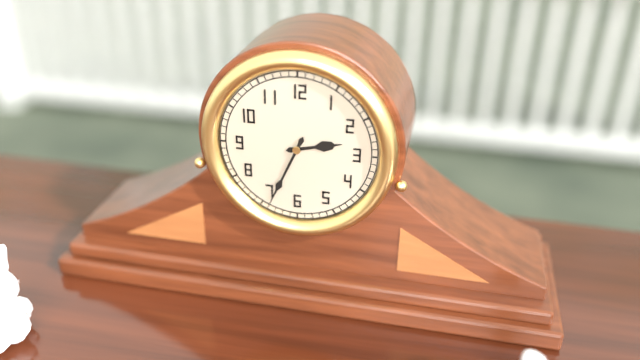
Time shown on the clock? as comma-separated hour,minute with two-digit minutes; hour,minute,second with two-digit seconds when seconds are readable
2,34
